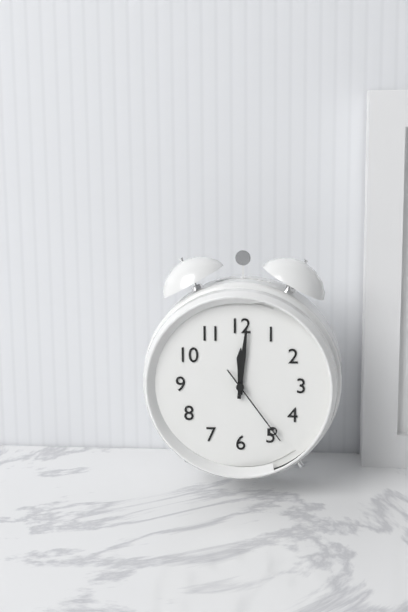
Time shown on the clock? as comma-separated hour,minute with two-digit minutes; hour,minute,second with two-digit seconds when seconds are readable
12,01,24
